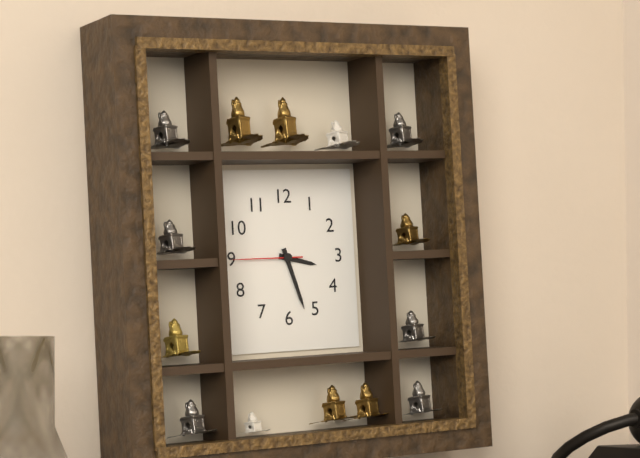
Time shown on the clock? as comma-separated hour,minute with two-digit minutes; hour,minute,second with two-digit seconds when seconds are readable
3,27,45
